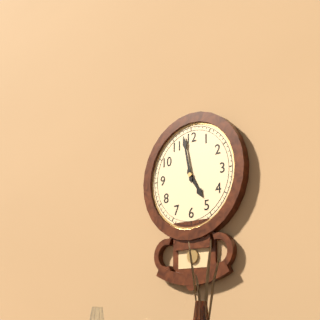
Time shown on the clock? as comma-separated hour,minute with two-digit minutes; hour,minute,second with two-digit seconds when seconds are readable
4,58
